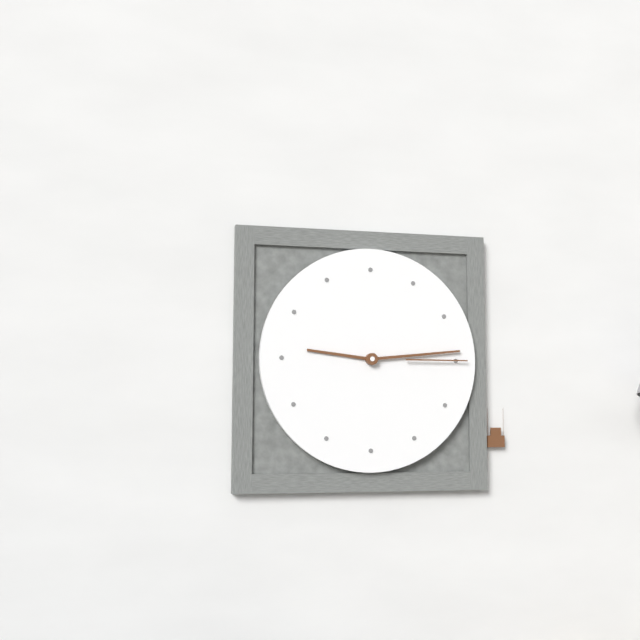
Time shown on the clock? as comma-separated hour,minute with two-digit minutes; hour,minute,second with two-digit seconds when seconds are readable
9,14,15
